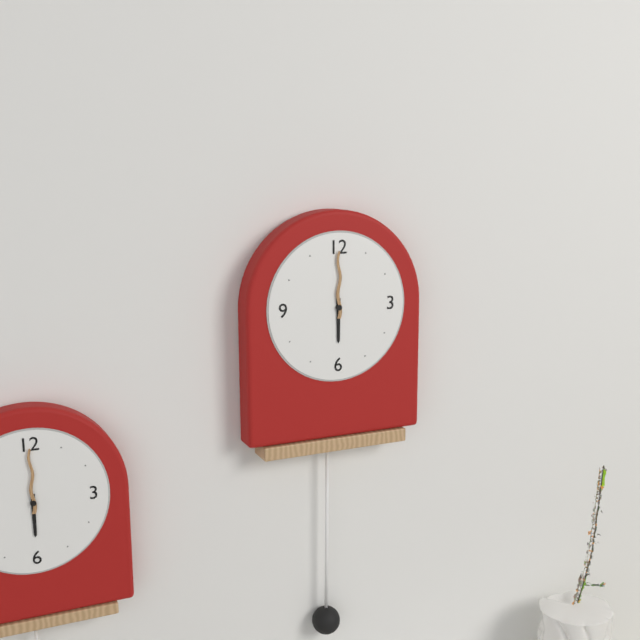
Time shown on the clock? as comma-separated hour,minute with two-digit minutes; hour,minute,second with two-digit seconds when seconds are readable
6,00
